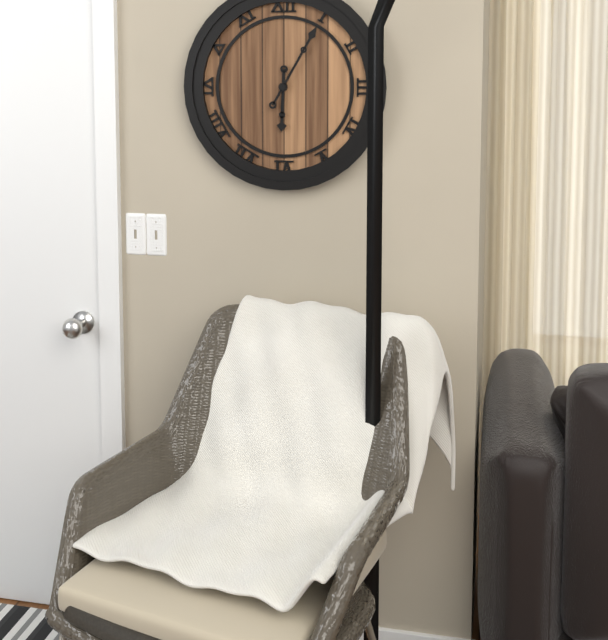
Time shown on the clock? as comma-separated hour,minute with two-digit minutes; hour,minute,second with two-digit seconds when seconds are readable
6,05
